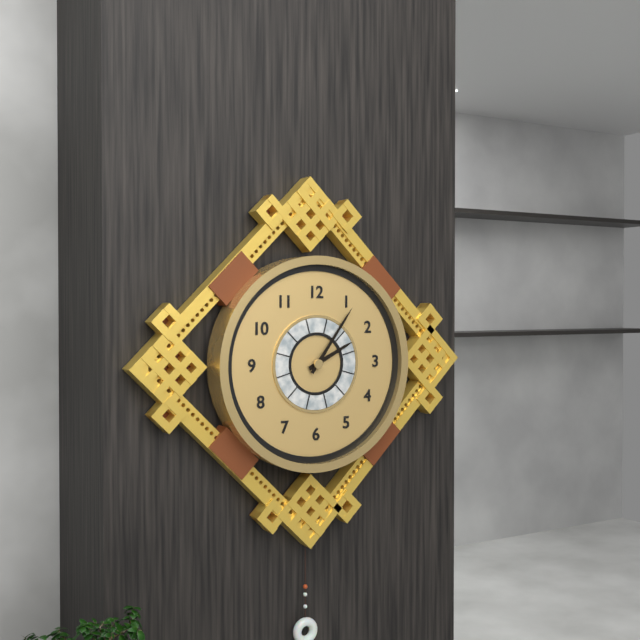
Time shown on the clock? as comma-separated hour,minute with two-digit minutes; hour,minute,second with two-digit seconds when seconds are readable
2,06
